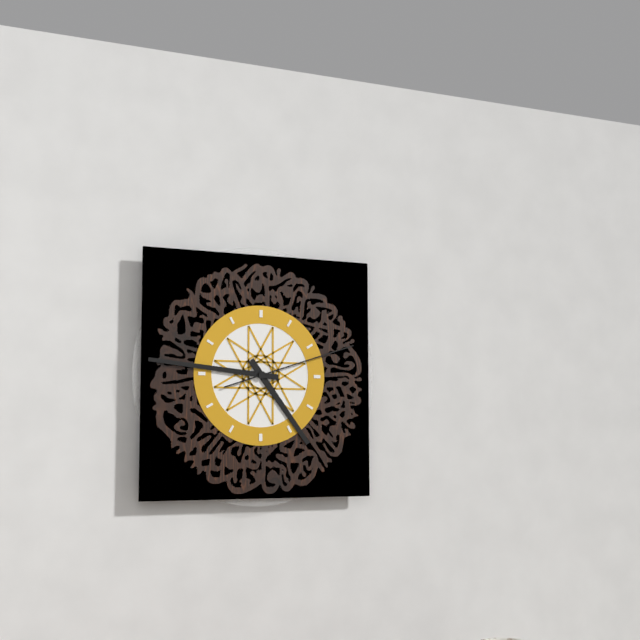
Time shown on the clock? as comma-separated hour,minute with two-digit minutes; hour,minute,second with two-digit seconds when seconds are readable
4,46,12
